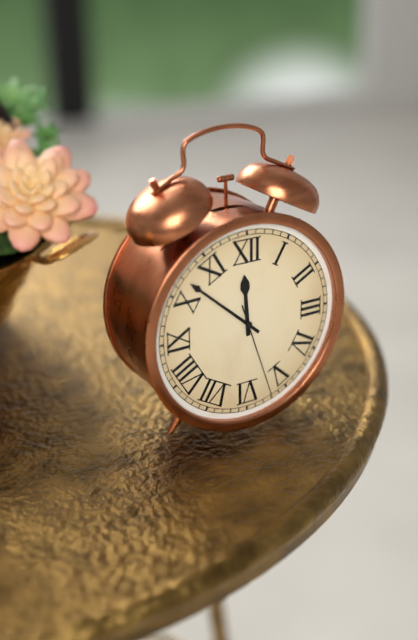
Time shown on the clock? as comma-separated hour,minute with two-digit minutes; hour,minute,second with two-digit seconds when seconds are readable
11,52,27
